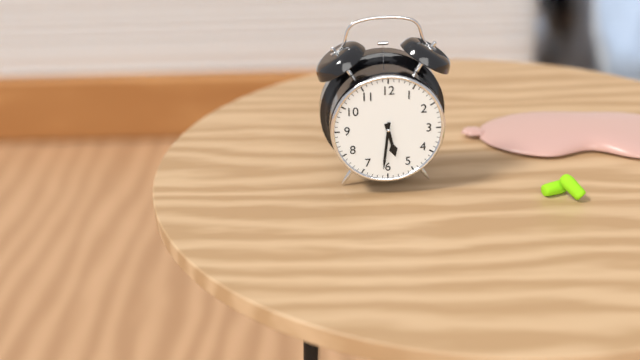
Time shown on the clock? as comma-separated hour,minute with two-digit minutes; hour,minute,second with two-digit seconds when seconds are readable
5,31
